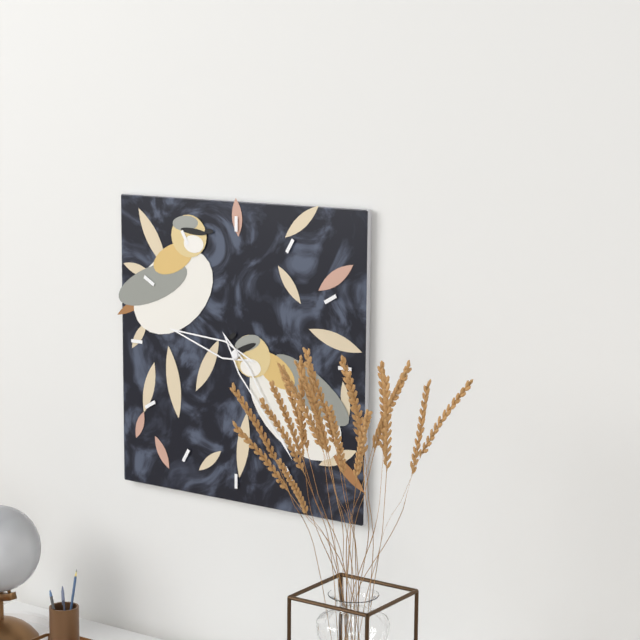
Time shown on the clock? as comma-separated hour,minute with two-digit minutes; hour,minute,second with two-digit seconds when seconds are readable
9,24
